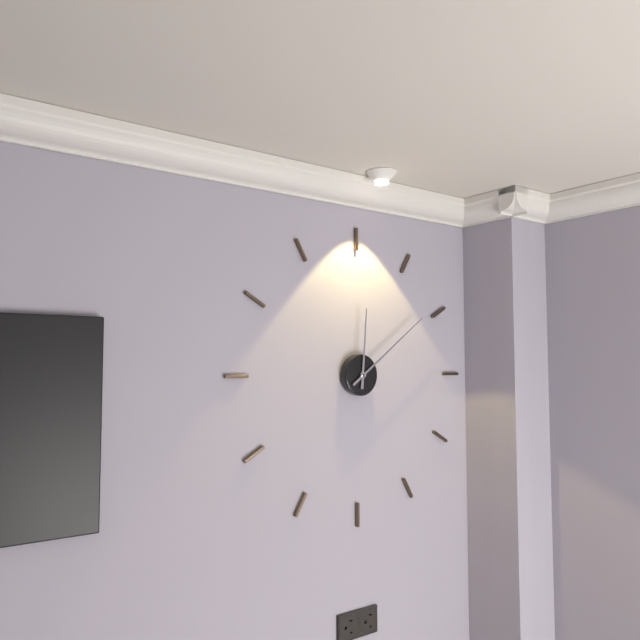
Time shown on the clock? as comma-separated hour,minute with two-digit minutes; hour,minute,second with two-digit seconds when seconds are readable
12,09
